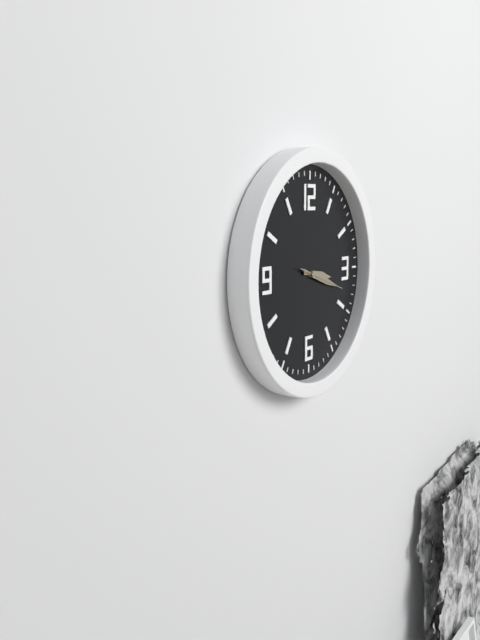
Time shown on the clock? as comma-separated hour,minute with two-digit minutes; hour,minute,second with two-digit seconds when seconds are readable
3,18
